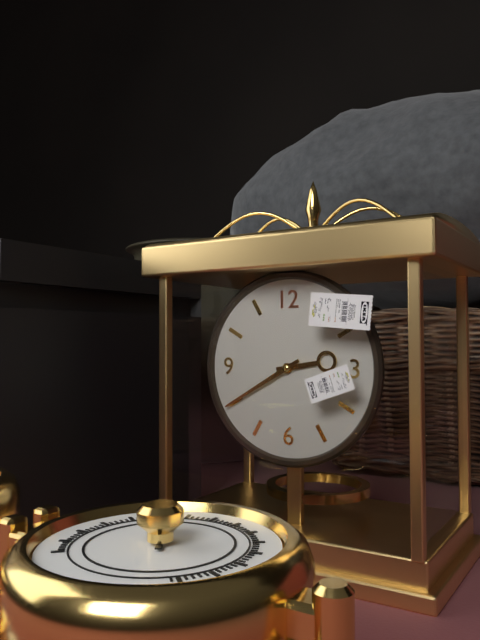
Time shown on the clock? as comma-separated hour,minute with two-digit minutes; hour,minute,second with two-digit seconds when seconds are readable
2,40
